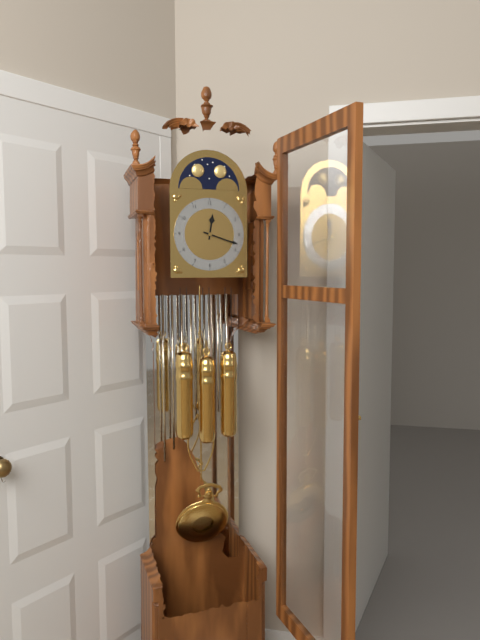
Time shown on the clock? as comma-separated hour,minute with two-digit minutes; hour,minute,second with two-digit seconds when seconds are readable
12,18
